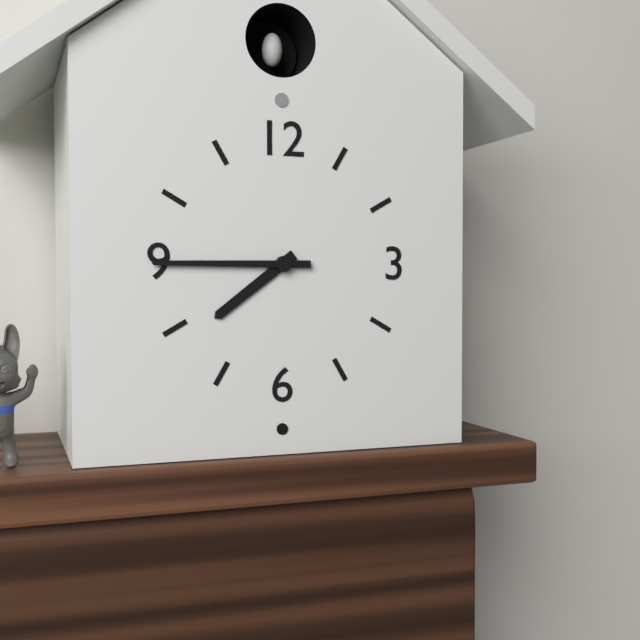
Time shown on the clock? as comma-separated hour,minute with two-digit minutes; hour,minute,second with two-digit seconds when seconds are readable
7,45
